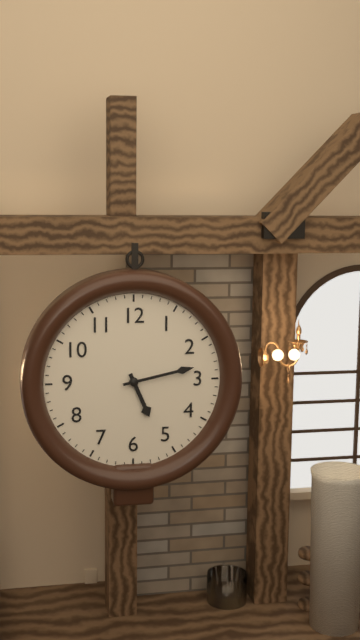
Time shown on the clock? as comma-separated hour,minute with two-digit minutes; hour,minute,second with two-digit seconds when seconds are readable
5,13
